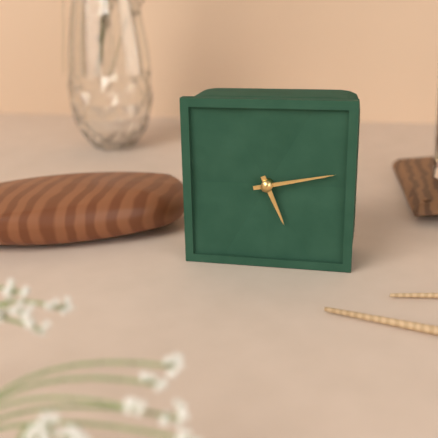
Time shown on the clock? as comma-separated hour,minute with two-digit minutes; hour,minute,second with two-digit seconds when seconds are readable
5,13
